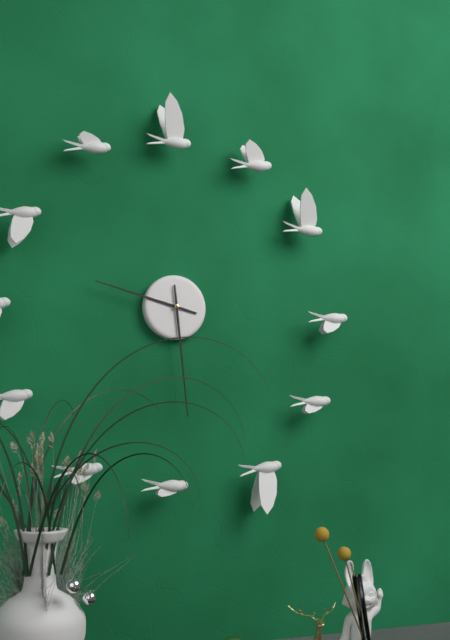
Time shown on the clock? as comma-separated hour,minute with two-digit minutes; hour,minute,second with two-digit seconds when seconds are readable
9,29
